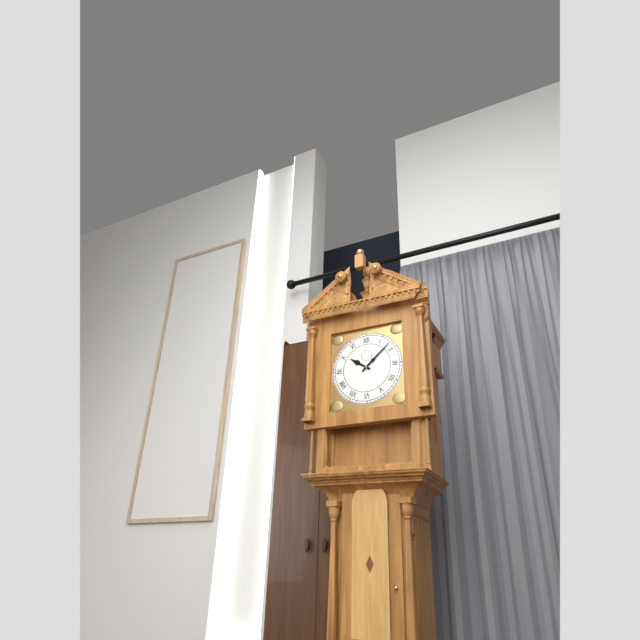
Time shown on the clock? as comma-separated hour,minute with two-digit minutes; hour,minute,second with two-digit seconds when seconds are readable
10,08
